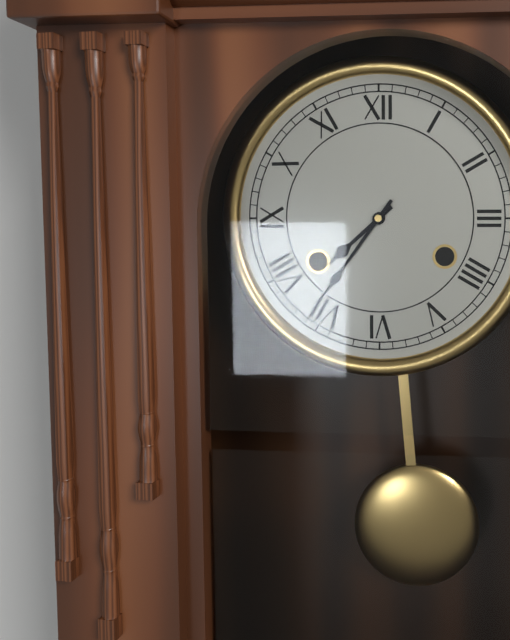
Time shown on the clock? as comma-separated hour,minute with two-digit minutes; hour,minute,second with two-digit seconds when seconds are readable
7,36
